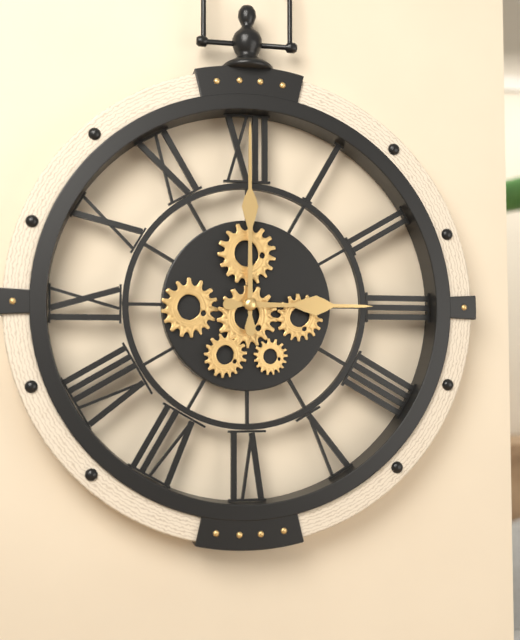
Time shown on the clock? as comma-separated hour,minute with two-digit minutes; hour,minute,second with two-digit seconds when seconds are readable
3,00
